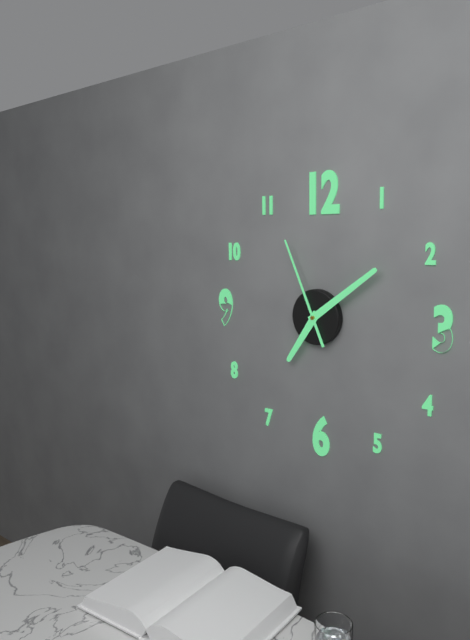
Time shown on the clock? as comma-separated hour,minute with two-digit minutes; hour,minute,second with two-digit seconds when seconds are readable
7,09,56
